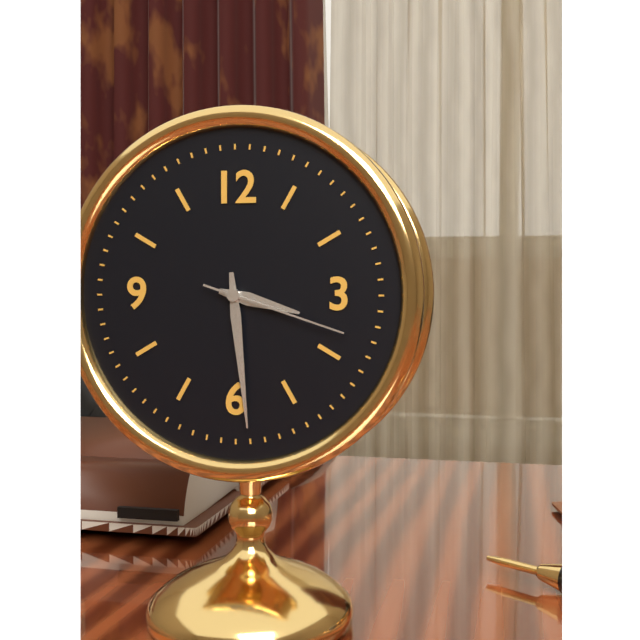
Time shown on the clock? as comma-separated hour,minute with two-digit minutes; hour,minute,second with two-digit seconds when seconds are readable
3,29,18
